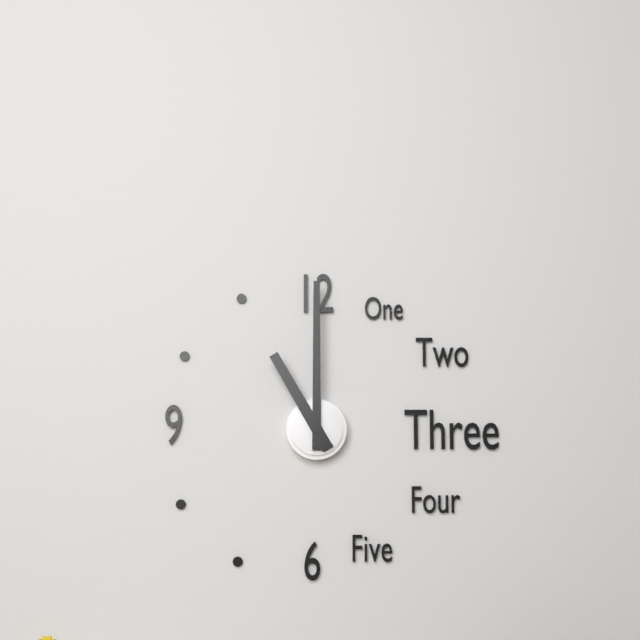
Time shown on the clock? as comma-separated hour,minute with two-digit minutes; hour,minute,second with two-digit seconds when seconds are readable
11,00
